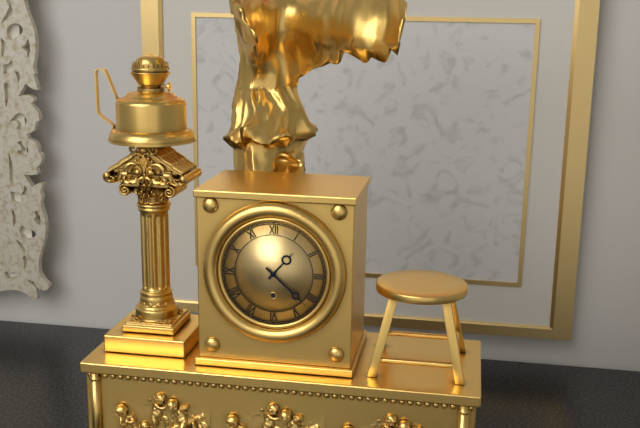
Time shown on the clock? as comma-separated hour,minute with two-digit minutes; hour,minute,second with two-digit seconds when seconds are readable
1,22
